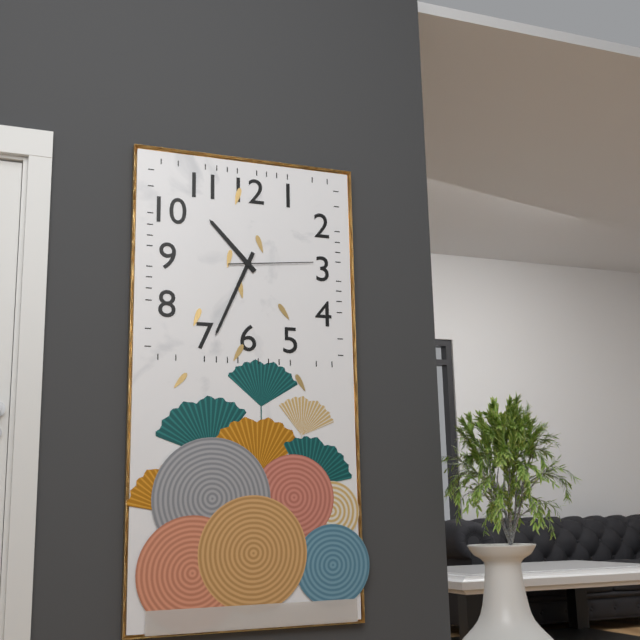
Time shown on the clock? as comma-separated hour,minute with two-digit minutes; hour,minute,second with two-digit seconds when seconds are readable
10,34,14
